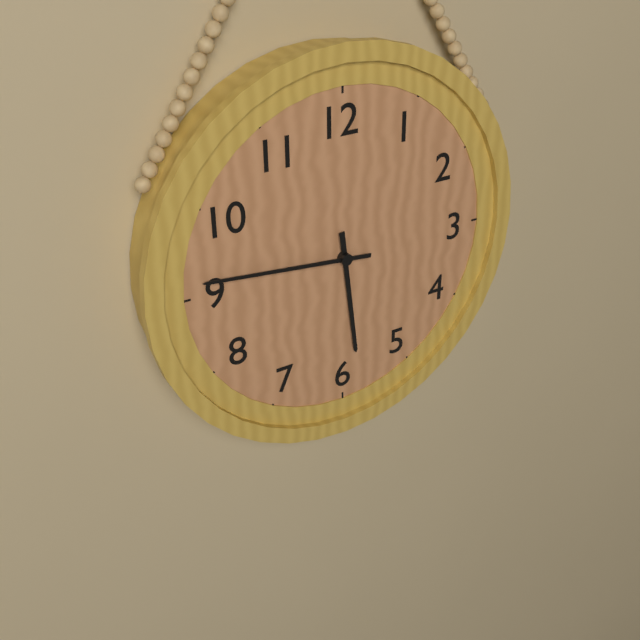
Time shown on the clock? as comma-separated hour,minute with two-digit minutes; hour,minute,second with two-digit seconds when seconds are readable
5,46
